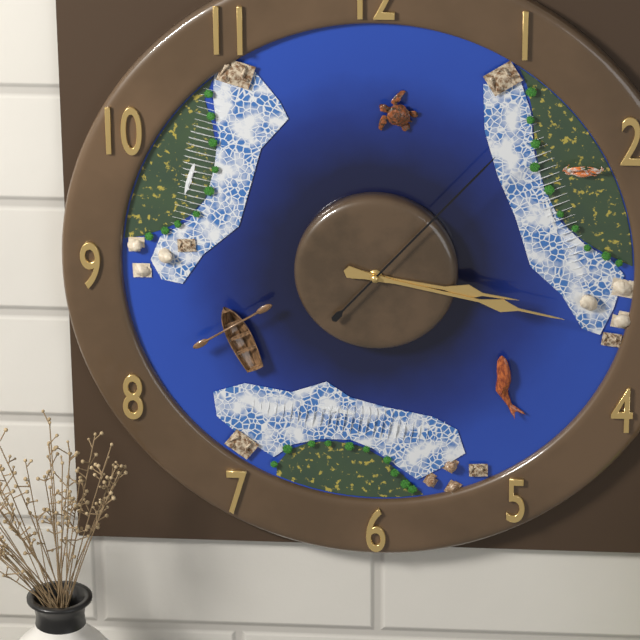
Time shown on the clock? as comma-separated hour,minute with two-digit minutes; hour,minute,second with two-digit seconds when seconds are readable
3,17,07
